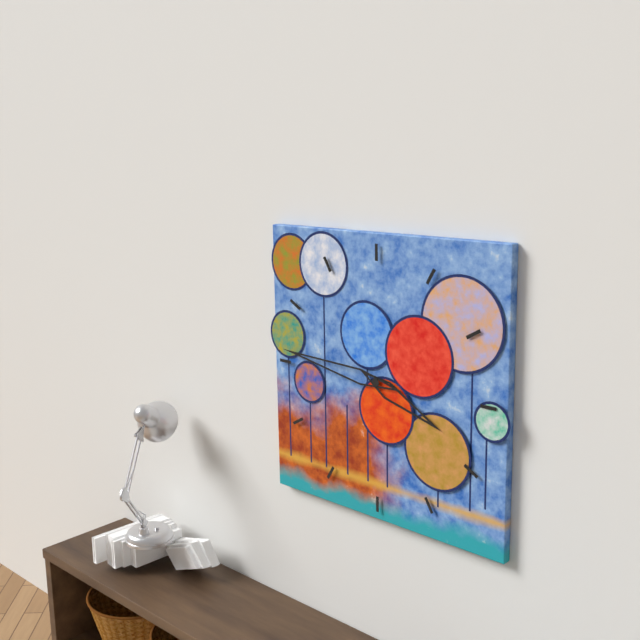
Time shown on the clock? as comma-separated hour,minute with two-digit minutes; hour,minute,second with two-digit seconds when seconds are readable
3,46
